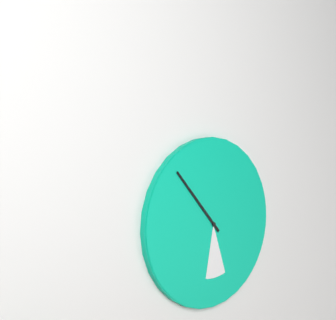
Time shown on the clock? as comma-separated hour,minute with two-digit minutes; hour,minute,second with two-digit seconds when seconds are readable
5,53
